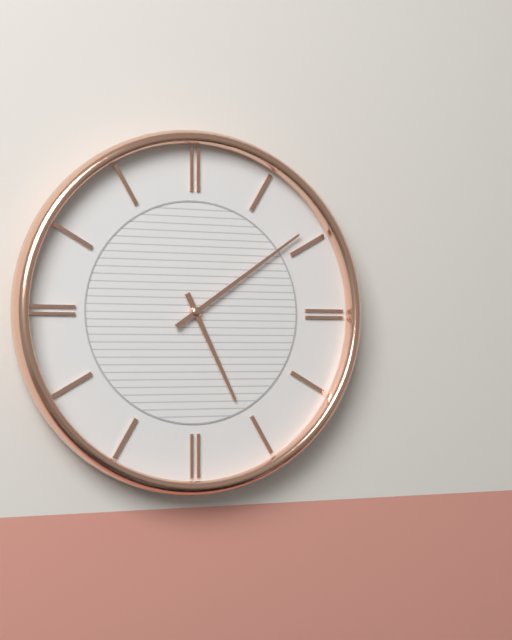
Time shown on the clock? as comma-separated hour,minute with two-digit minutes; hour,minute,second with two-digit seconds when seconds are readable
5,09
